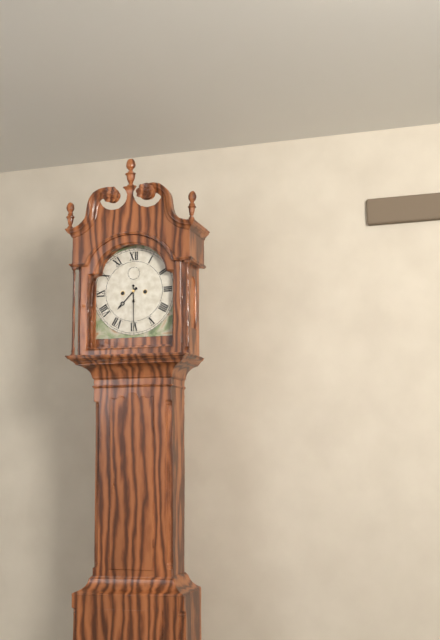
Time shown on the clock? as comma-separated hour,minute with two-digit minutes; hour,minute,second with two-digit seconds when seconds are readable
7,30
